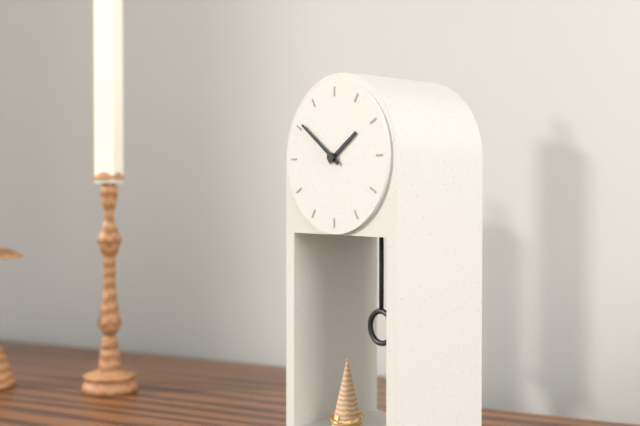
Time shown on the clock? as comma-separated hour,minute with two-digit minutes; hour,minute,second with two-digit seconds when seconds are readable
1,51
